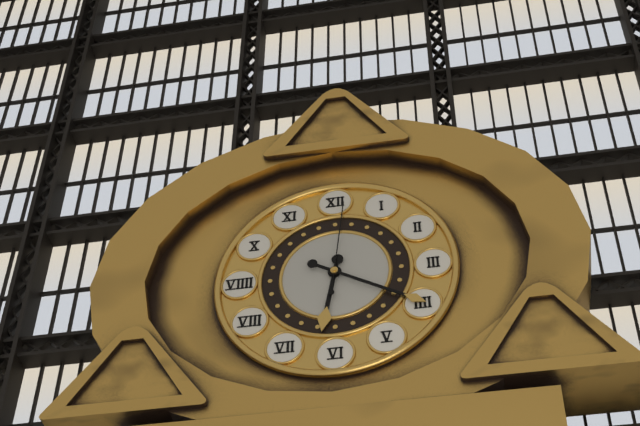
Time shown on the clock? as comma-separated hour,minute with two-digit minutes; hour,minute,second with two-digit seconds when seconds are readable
6,20,01
